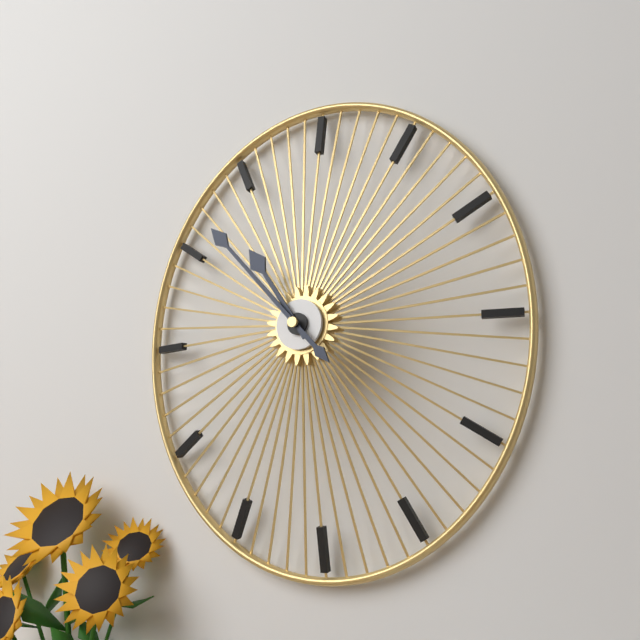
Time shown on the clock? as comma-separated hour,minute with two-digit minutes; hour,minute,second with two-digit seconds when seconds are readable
10,53
